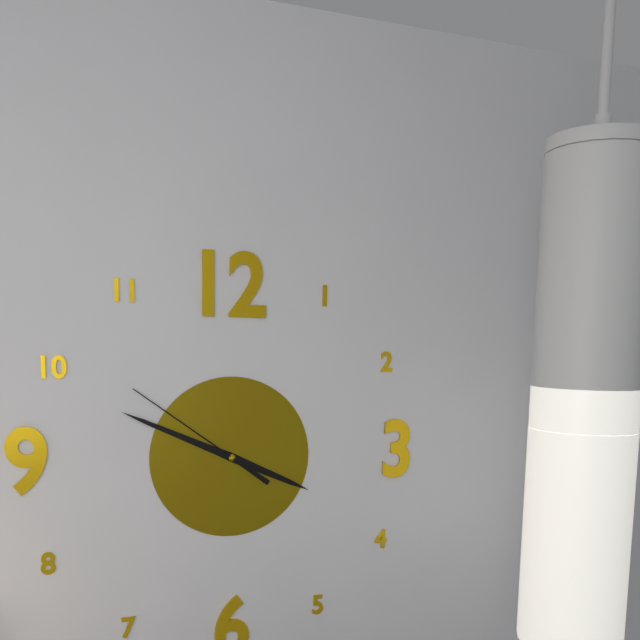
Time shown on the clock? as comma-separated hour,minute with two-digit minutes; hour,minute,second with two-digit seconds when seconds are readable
3,49,51
